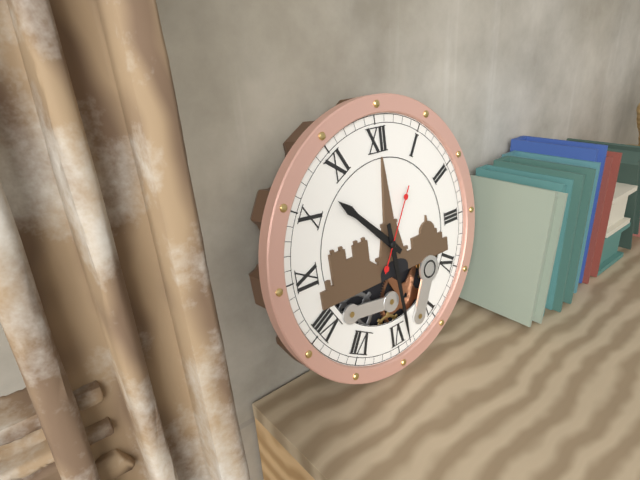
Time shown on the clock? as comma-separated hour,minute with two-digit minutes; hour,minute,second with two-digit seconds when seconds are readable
10,29,05
